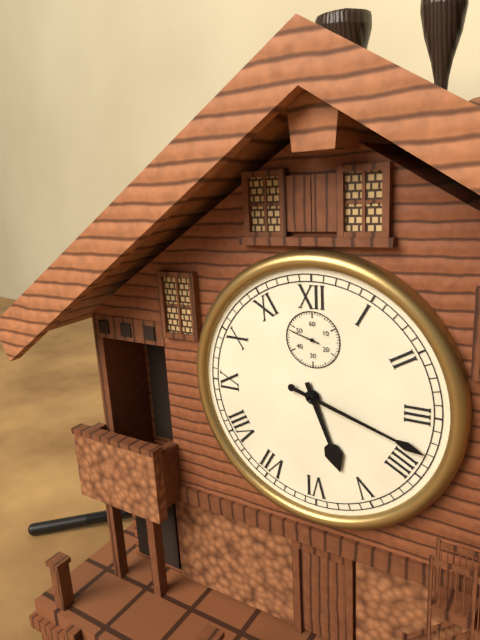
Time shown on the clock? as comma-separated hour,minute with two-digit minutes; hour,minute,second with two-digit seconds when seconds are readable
5,18
